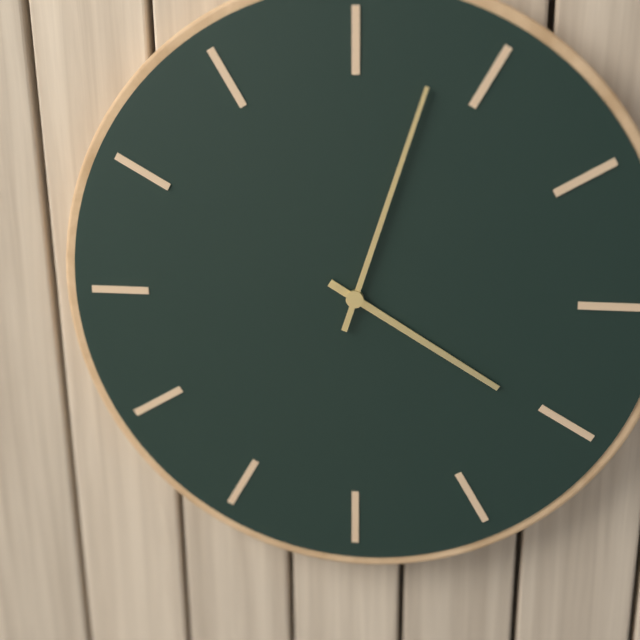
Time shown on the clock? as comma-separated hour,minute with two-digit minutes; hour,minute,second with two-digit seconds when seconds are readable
4,03
